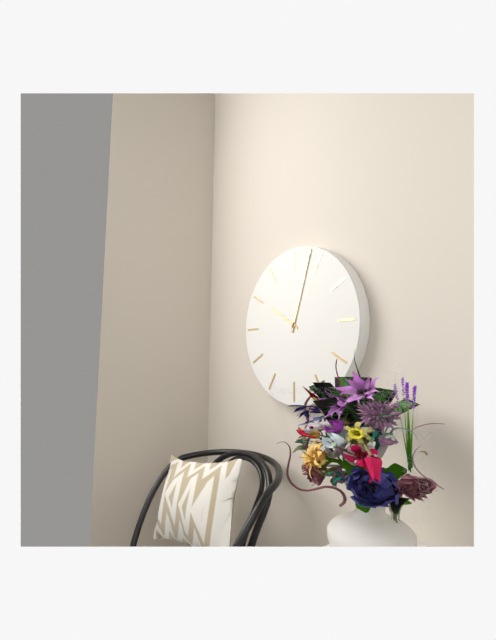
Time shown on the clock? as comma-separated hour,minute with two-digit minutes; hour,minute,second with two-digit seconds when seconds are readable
10,03
